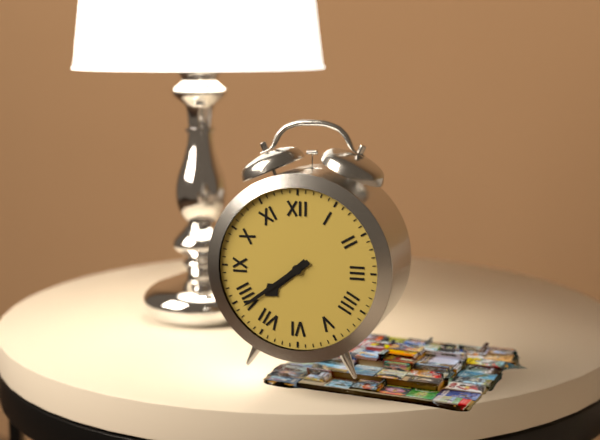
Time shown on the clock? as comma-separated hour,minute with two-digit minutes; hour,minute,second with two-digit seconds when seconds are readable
7,39
